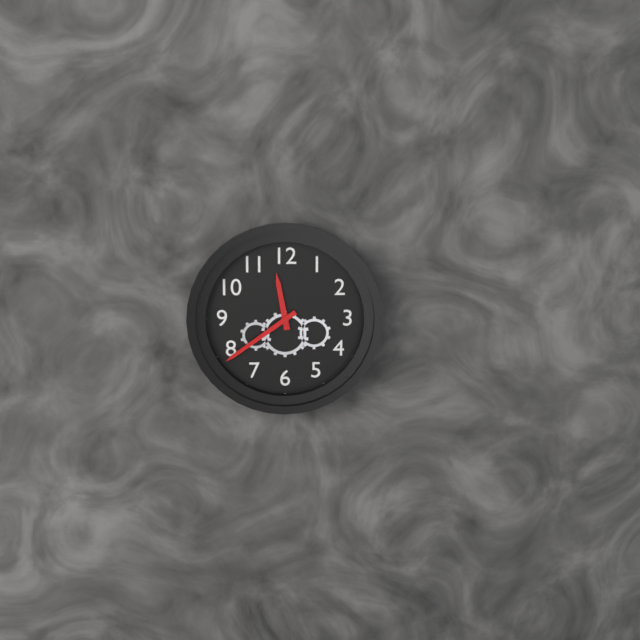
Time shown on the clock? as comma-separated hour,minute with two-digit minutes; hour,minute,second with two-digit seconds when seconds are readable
11,39
